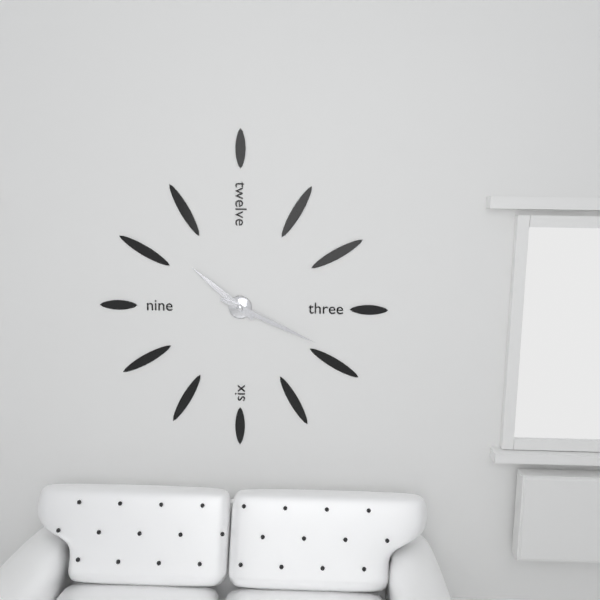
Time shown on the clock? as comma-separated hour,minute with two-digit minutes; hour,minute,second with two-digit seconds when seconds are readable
10,19
